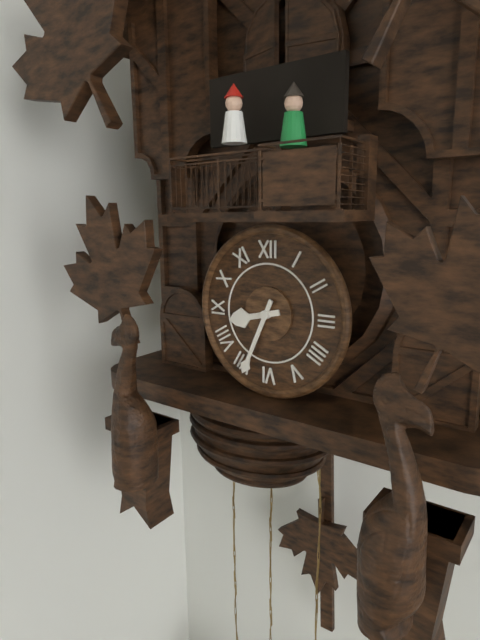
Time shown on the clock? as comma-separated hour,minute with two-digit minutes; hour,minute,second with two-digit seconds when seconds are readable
8,34
